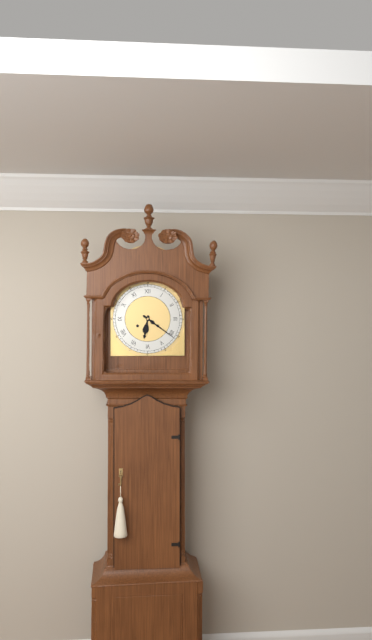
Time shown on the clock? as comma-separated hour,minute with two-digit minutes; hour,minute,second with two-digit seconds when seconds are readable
6,21
